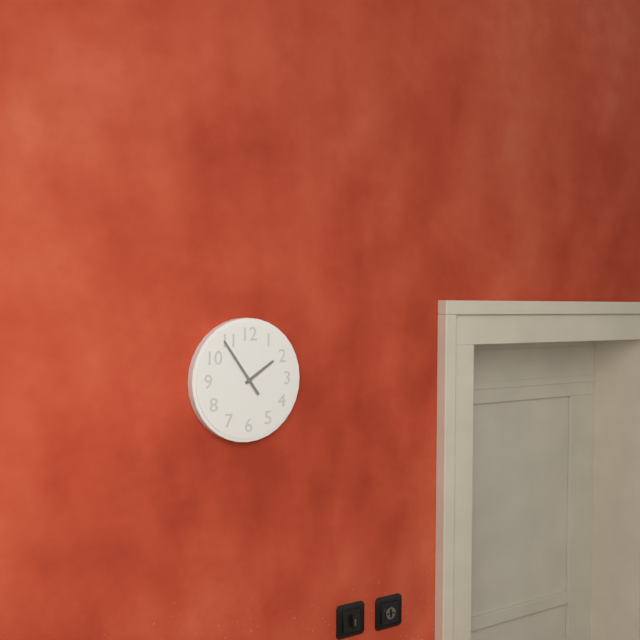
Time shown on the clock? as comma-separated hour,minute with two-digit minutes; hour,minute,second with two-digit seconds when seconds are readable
1,54
